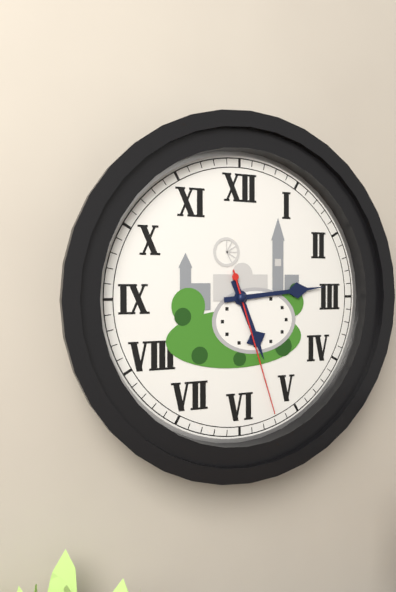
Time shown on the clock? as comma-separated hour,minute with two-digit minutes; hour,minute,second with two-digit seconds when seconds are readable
5,14,27
